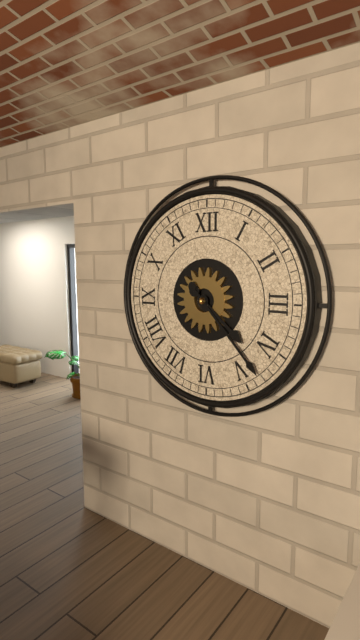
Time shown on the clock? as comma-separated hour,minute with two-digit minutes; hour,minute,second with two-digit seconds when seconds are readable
4,23
